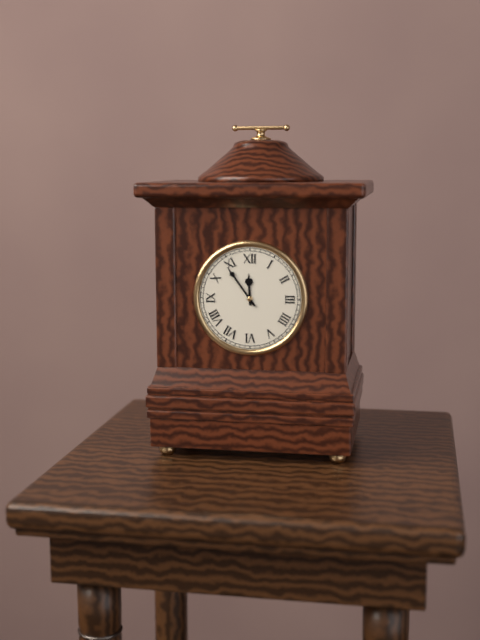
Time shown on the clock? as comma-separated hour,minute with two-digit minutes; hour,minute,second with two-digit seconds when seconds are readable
11,54
